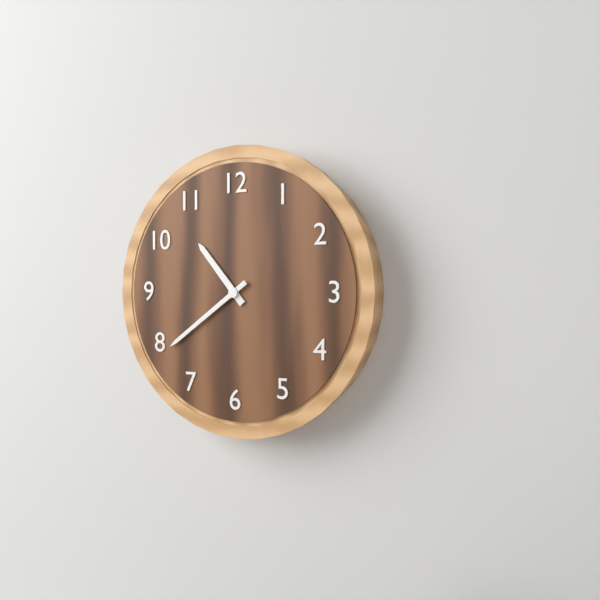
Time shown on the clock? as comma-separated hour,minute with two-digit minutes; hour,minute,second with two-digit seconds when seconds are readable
10,39
